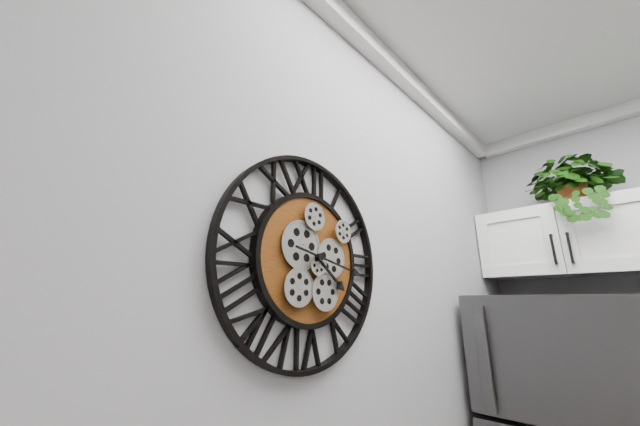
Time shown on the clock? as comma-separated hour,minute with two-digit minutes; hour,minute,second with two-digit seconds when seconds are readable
4,17
